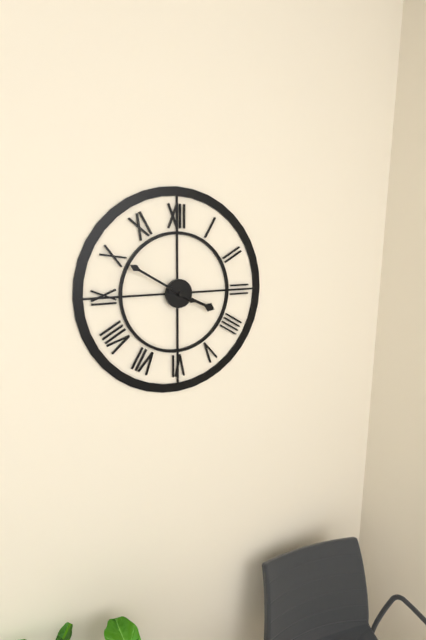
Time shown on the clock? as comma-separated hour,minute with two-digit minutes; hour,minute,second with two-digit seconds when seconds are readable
3,50
